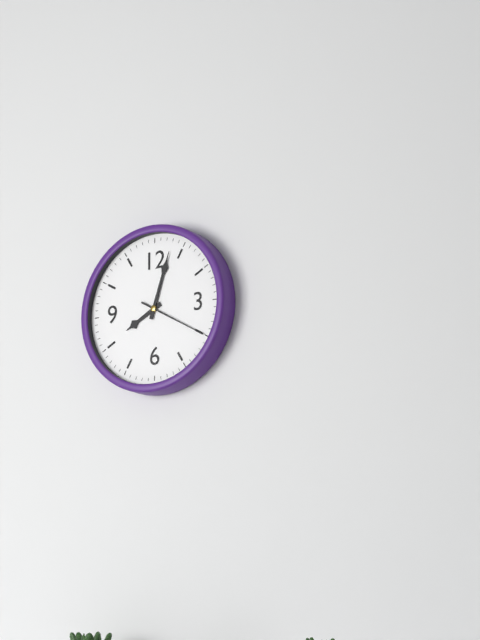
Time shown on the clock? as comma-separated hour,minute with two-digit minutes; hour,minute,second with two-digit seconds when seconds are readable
8,03,20
